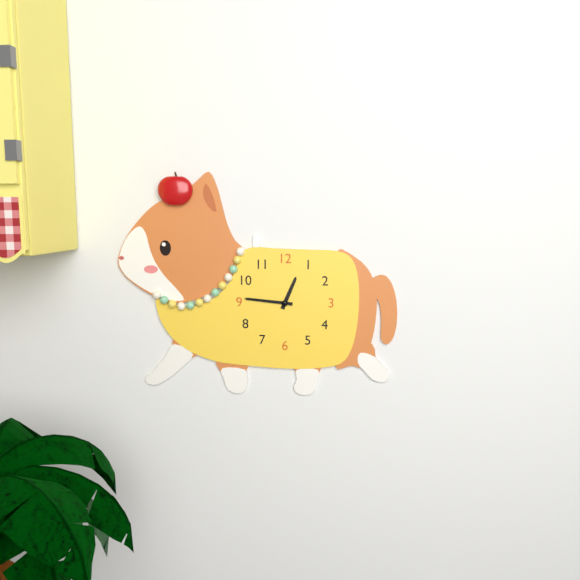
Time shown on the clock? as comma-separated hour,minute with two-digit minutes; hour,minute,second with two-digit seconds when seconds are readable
12,46
